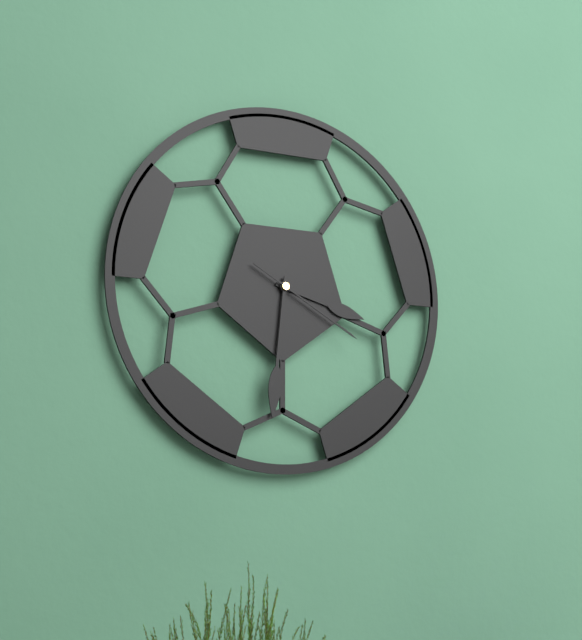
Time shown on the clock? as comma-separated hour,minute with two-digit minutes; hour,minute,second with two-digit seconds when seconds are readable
3,31,20
